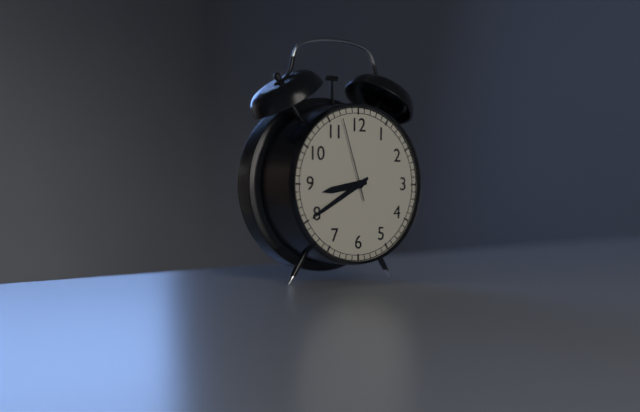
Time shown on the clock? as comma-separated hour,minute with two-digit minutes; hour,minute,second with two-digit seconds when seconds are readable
8,40,57
